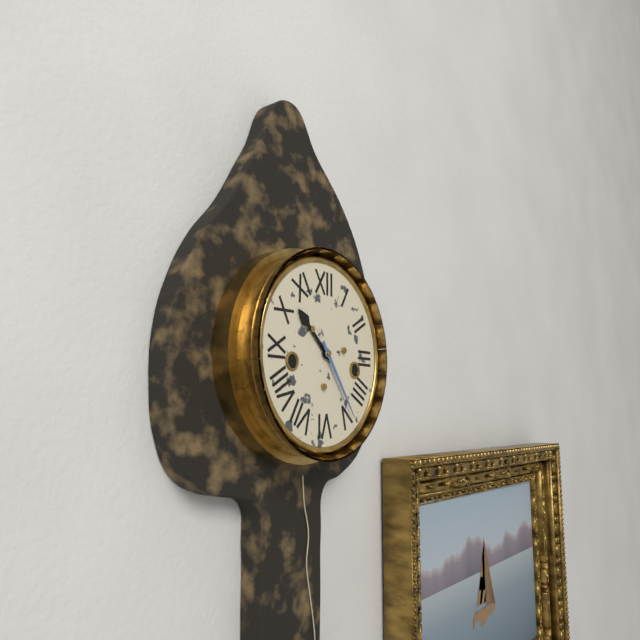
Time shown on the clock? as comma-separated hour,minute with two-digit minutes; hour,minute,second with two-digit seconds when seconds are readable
10,24
